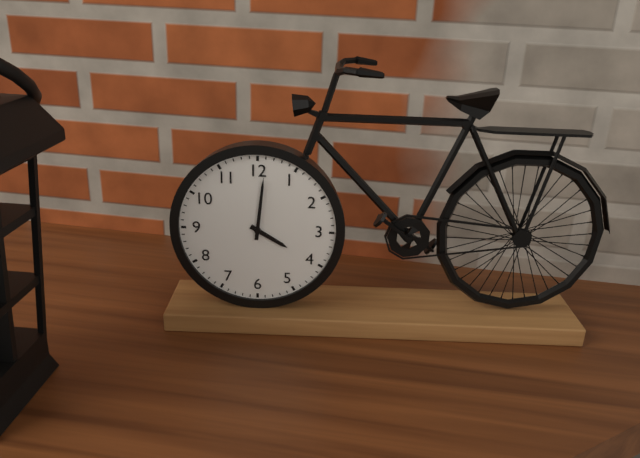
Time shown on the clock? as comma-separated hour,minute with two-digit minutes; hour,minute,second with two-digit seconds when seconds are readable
4,01
